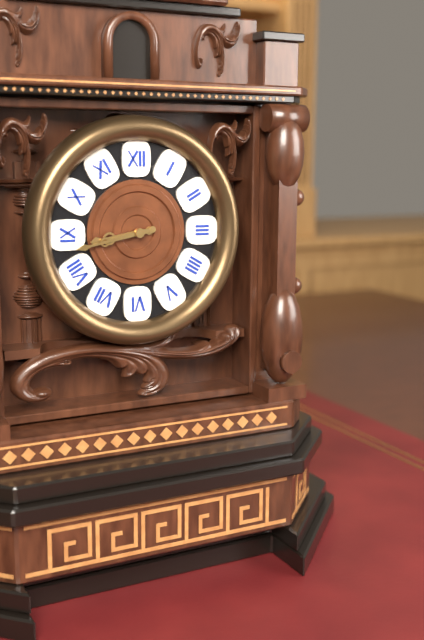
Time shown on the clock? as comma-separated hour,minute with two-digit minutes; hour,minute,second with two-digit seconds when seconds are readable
8,43
